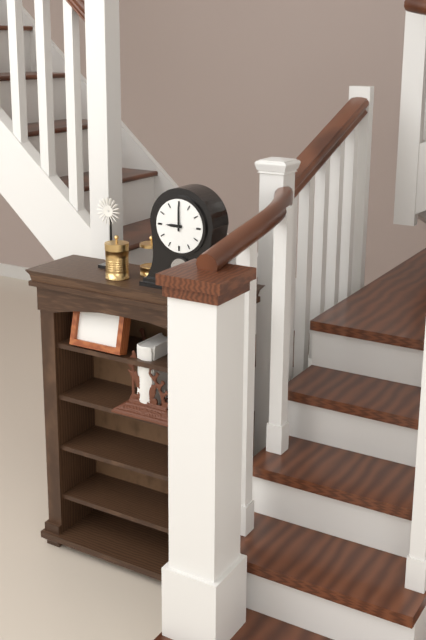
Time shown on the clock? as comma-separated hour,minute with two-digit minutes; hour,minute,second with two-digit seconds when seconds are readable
9,00
